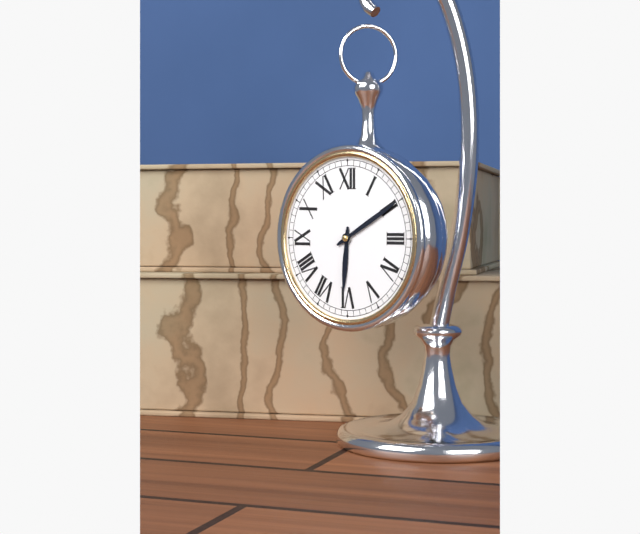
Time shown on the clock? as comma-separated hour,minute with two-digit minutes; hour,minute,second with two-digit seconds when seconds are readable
6,10
